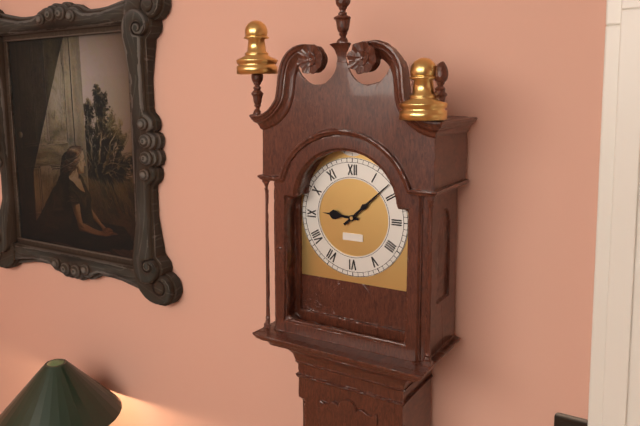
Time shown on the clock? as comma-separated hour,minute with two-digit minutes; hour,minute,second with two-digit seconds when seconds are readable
9,08
